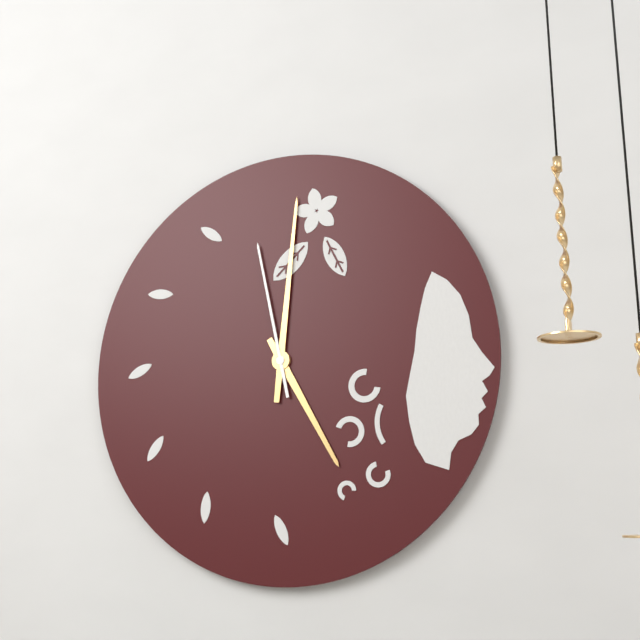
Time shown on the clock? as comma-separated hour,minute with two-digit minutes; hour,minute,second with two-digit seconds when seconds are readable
5,01,58
